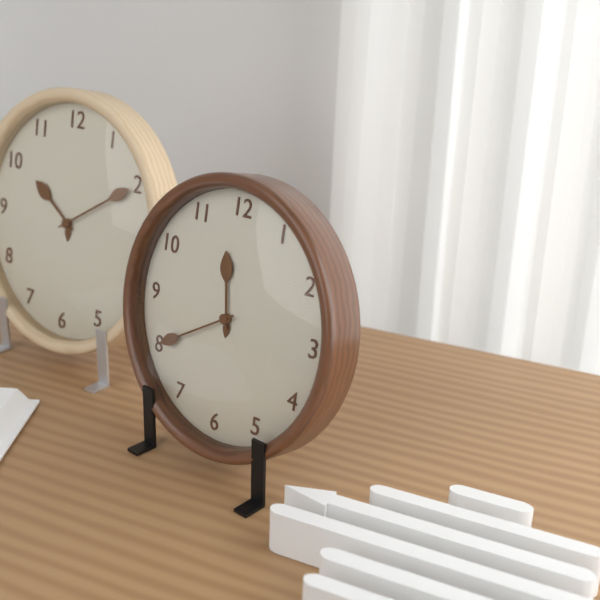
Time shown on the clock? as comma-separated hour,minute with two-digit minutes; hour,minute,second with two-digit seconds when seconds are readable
11,40
